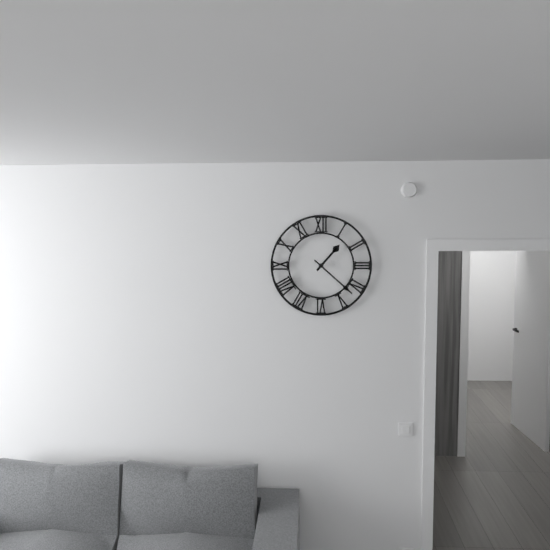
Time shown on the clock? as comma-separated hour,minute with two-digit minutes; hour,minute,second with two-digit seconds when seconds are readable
1,22
